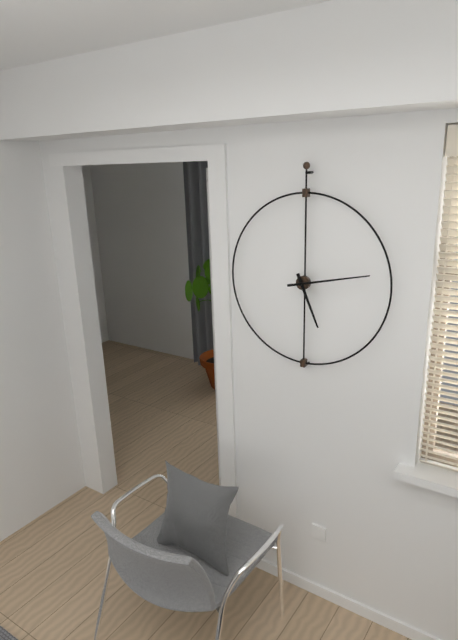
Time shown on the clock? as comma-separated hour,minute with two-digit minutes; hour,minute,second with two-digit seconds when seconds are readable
5,13
